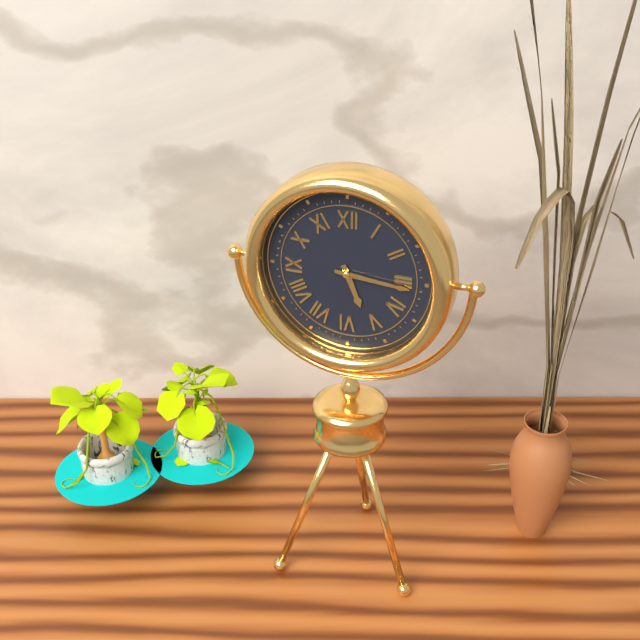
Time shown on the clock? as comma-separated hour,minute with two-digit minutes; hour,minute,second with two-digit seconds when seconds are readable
5,16
